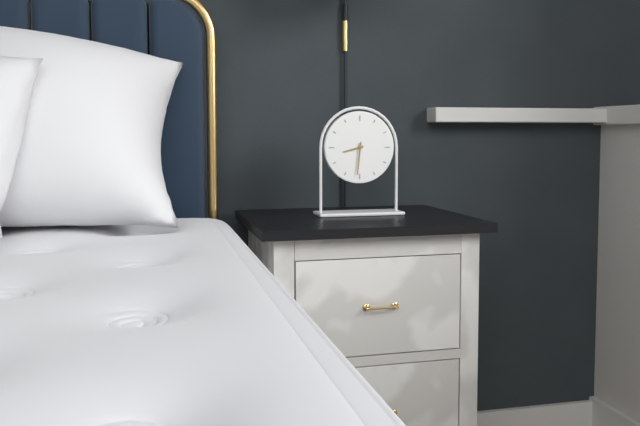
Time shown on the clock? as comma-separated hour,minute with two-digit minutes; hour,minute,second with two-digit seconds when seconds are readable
8,31
